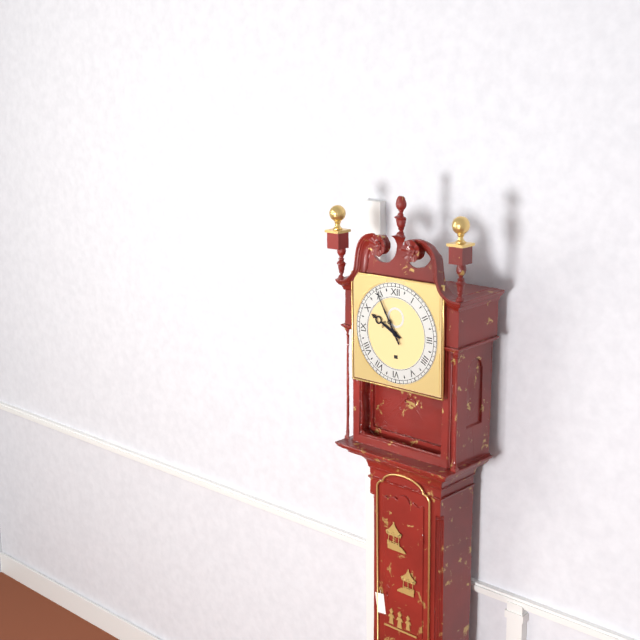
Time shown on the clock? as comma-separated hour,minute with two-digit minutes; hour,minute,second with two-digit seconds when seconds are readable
9,55
